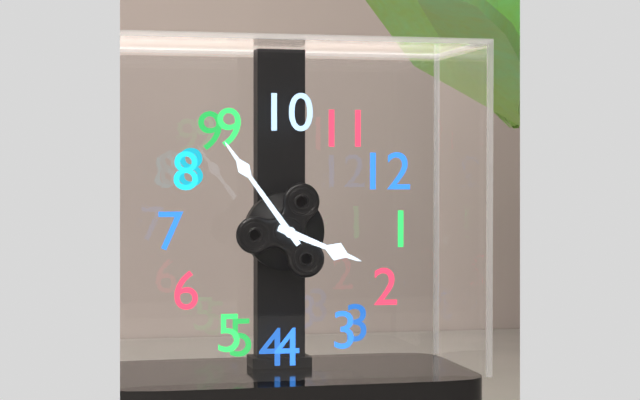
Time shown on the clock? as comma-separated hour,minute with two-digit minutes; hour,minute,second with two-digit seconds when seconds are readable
1,44
